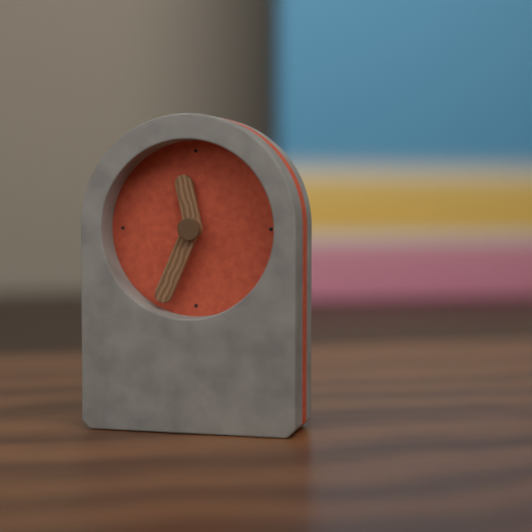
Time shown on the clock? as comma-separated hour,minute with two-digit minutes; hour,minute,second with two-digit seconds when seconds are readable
11,34
